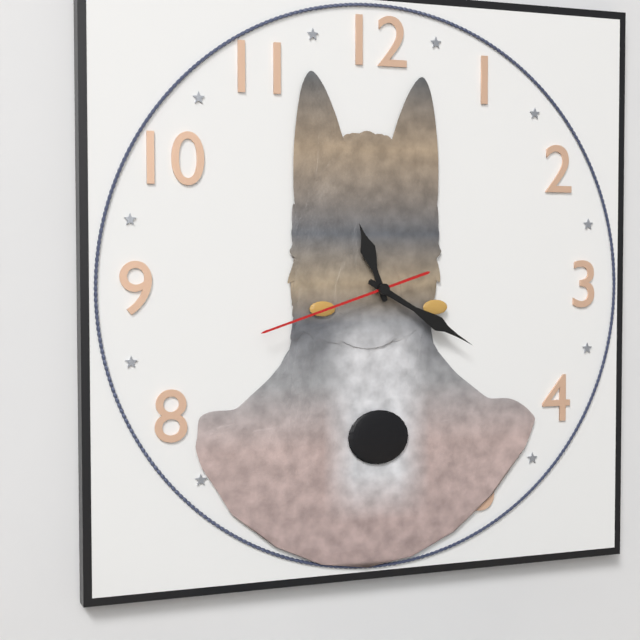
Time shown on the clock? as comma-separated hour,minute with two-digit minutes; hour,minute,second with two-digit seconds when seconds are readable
11,20,42
